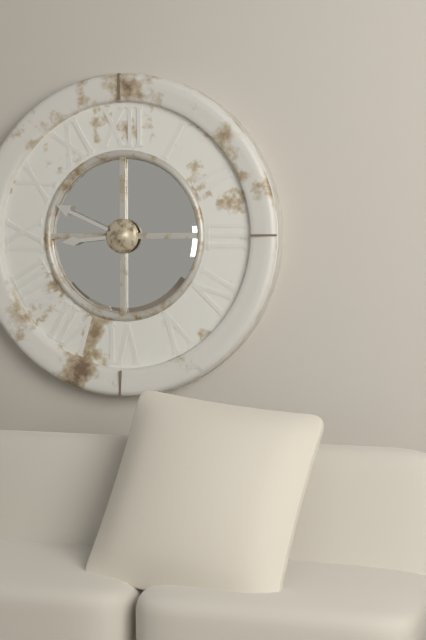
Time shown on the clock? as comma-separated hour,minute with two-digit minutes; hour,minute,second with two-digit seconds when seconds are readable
8,49
